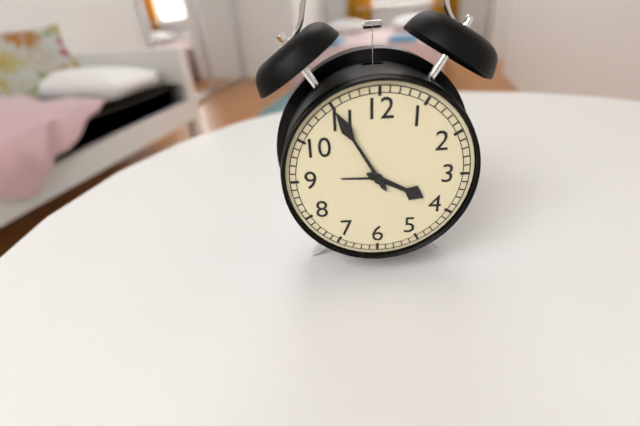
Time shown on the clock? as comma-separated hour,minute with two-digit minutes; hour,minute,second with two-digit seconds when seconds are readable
3,55
